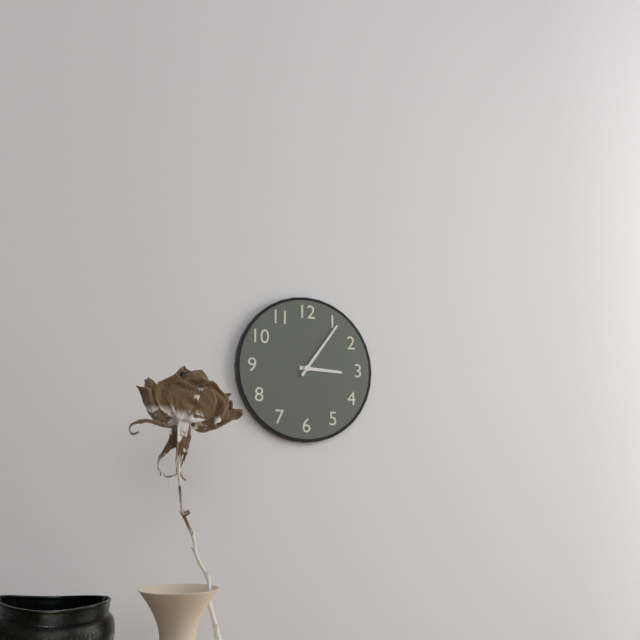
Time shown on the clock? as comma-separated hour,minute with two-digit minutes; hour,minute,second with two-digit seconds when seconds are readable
3,06
